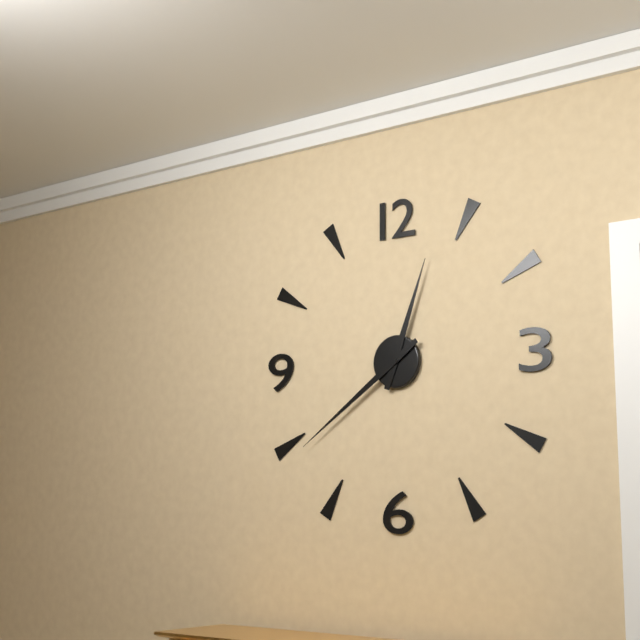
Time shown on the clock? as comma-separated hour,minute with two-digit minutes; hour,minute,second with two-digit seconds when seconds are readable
12,39
